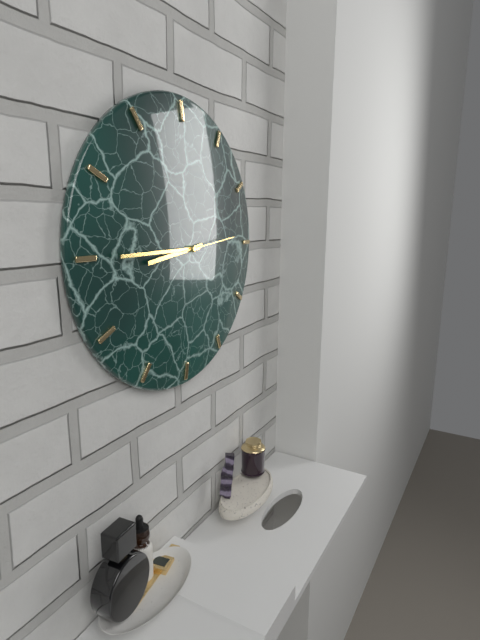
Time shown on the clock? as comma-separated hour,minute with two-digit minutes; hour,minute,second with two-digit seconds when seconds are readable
8,45,14
